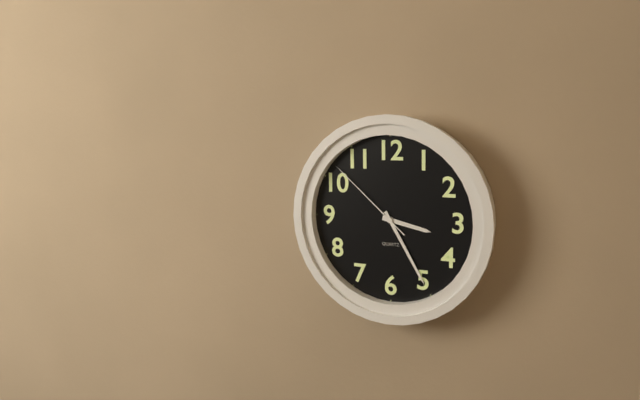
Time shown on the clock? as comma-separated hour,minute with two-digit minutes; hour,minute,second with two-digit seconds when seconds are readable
3,25,52
